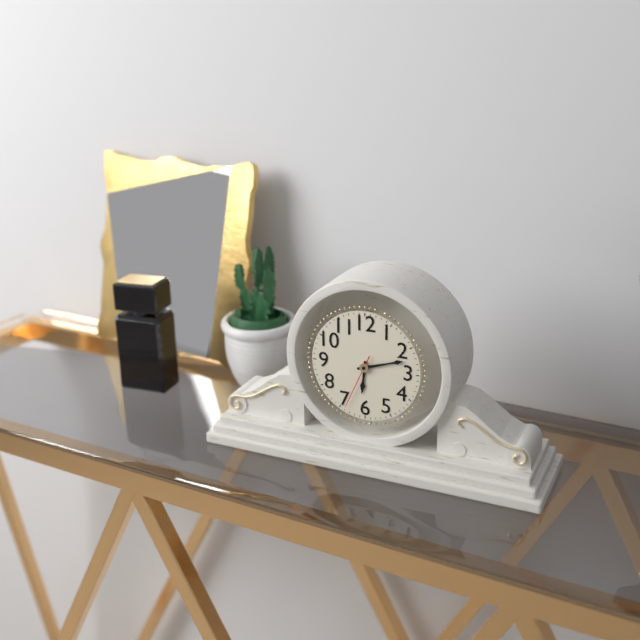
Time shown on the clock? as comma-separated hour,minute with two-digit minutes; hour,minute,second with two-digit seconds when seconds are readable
6,12,34
